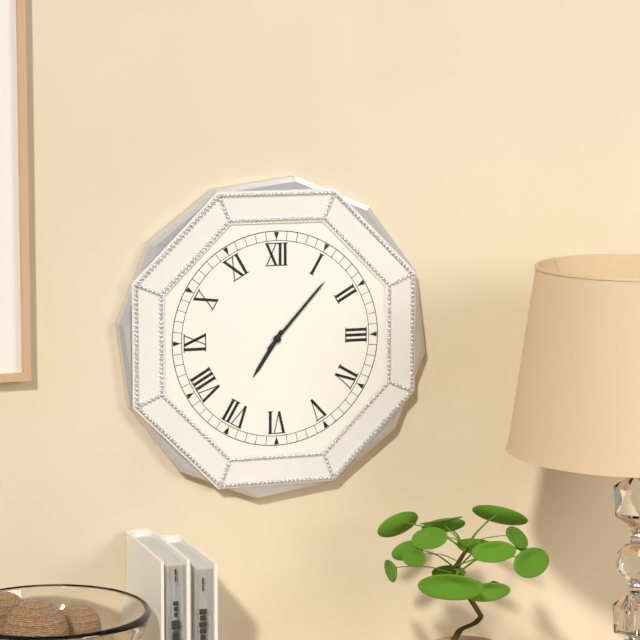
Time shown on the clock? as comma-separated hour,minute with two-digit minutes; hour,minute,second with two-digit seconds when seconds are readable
7,07
